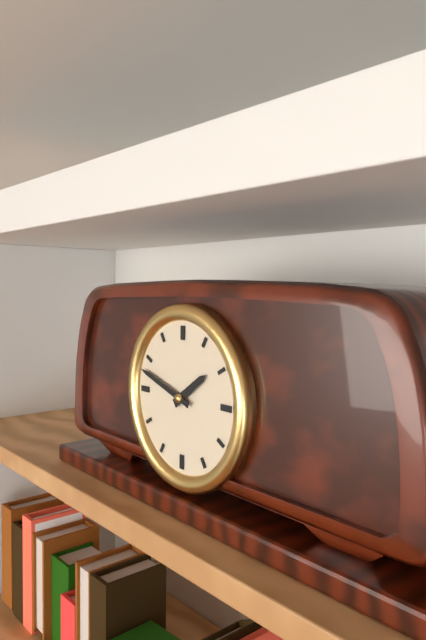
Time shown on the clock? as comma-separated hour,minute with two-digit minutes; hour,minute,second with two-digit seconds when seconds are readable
1,48
